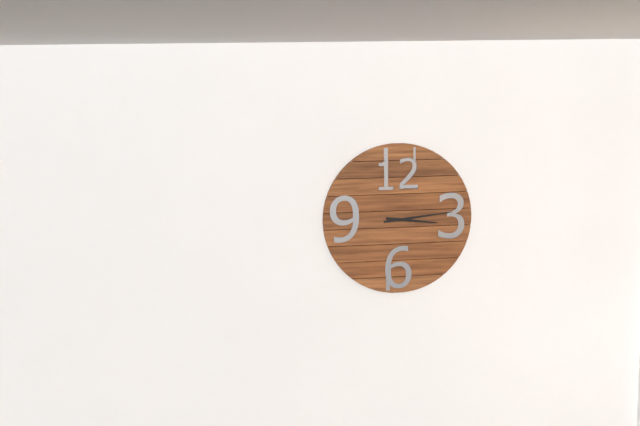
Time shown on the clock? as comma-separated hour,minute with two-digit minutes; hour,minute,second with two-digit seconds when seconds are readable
3,14
